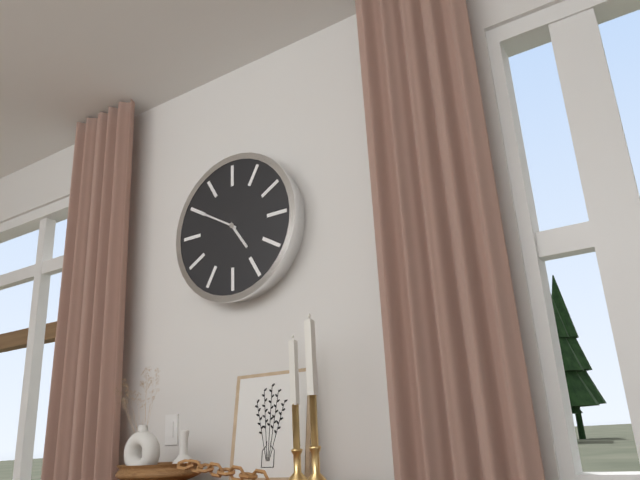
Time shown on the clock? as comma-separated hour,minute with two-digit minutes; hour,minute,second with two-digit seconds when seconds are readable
4,50
